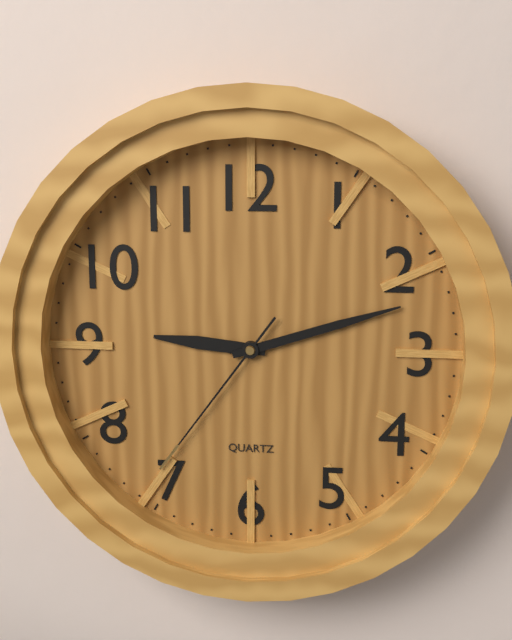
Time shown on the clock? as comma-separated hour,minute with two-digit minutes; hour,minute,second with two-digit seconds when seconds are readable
9,12,36
